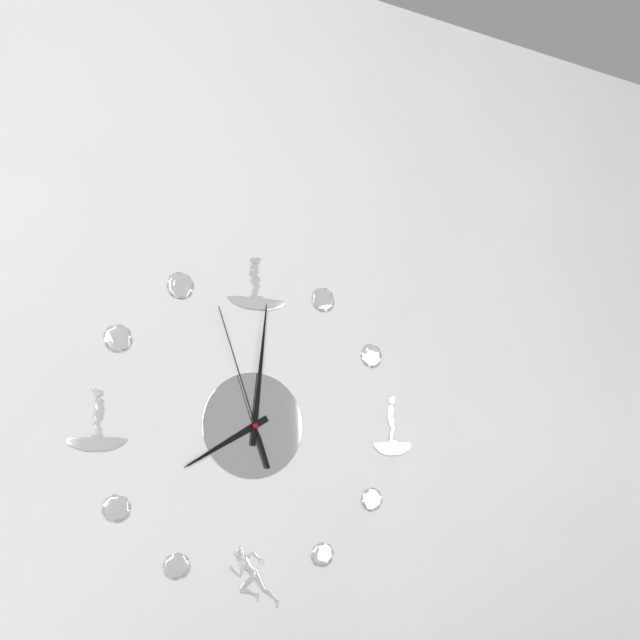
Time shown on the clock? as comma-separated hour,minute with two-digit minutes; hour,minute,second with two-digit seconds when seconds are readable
8,01,57
